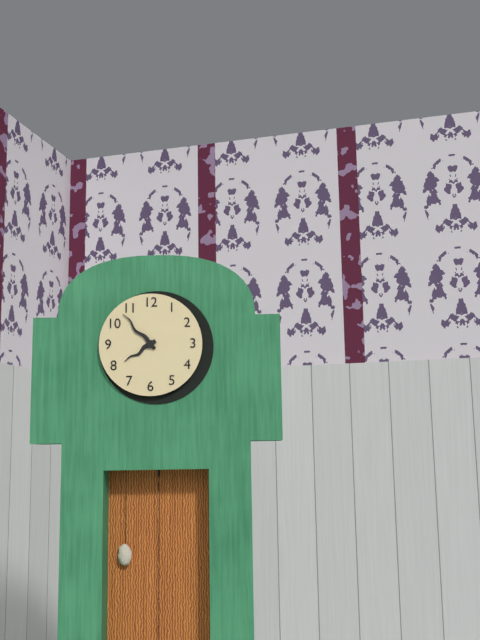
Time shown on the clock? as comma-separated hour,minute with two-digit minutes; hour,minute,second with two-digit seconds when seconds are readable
7,53
